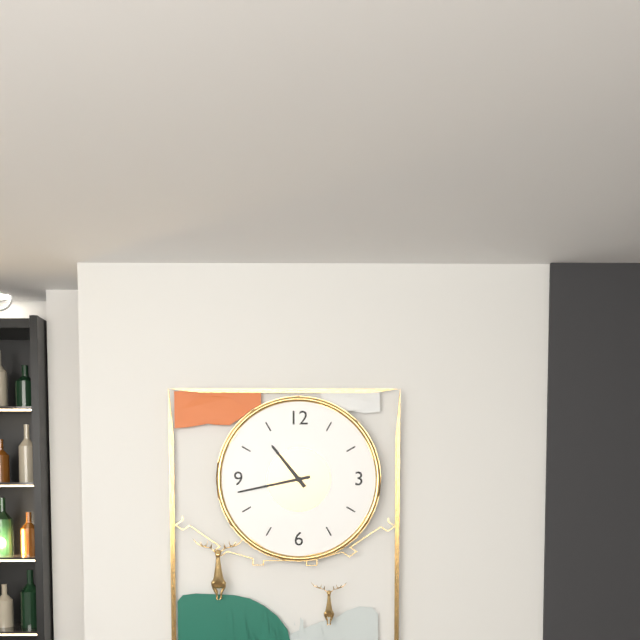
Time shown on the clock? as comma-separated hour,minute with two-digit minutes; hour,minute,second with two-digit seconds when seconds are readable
10,43
